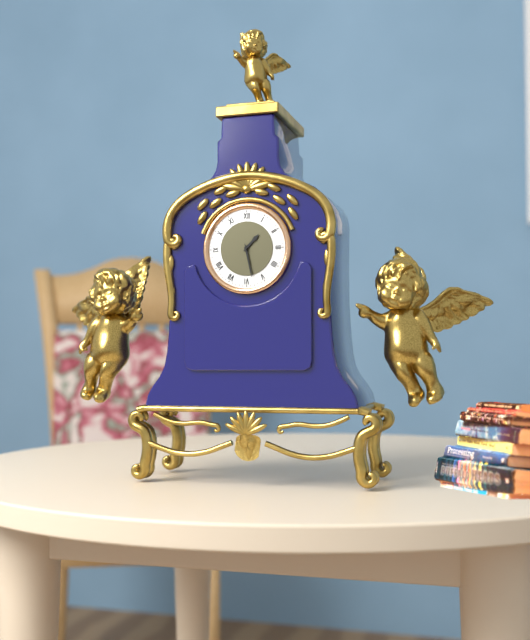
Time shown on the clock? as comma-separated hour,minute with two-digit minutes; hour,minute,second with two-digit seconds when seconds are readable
1,28
